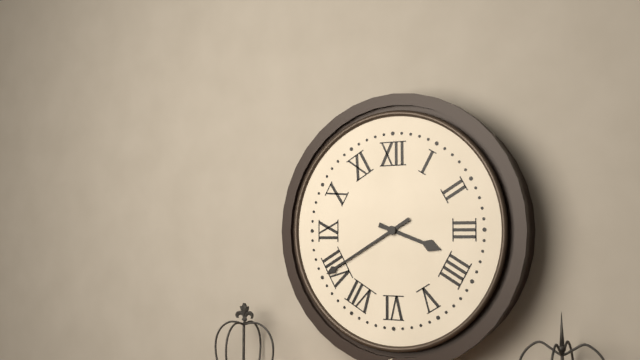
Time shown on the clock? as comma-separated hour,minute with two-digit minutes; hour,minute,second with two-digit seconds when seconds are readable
3,40
